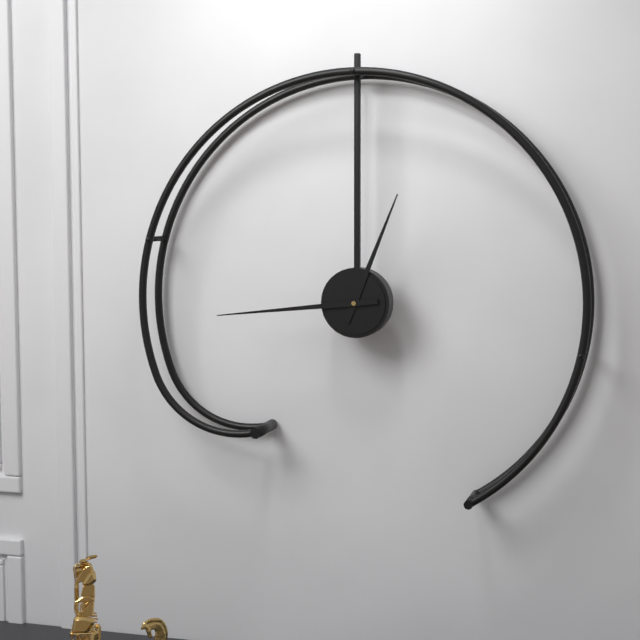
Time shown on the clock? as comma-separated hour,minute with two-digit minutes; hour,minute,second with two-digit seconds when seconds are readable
12,44
